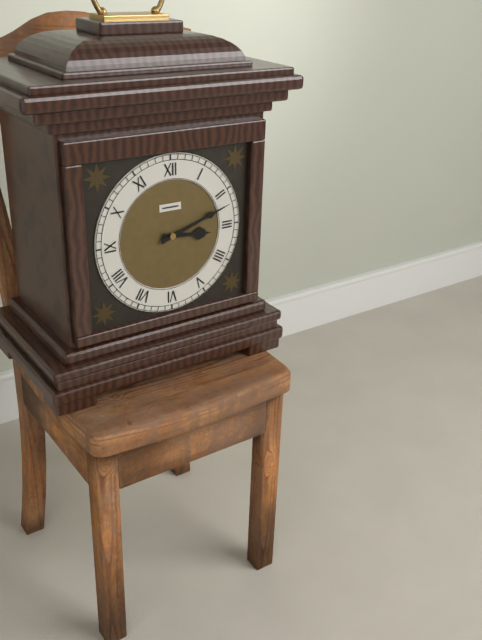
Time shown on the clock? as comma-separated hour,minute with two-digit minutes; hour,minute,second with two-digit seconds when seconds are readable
3,12
